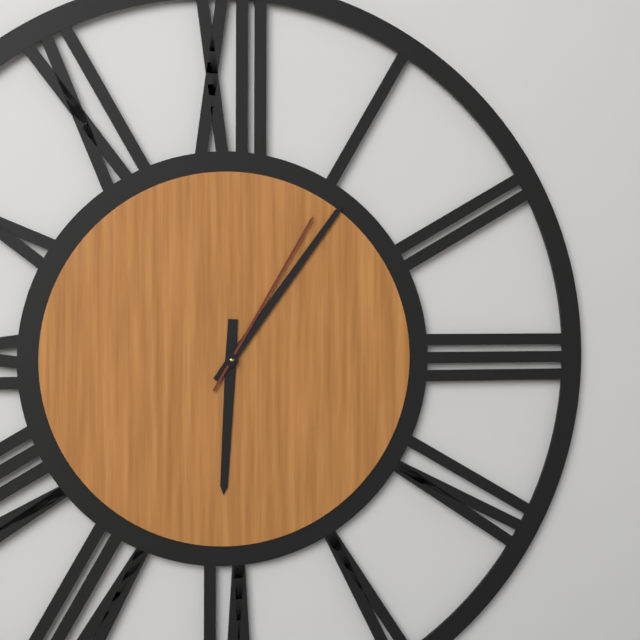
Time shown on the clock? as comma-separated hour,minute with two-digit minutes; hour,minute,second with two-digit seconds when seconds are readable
6,06,05
